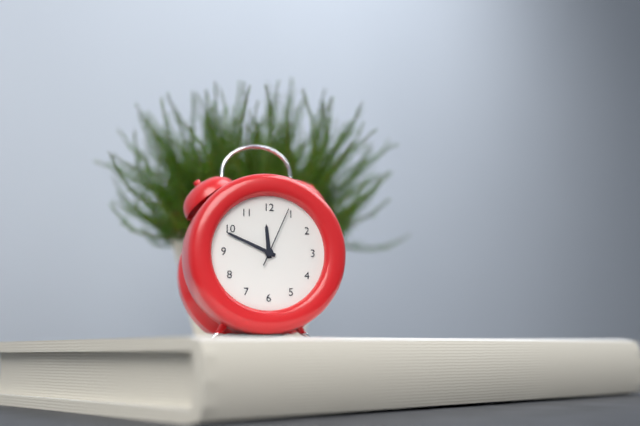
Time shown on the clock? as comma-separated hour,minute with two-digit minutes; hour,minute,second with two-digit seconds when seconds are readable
11,49,04
